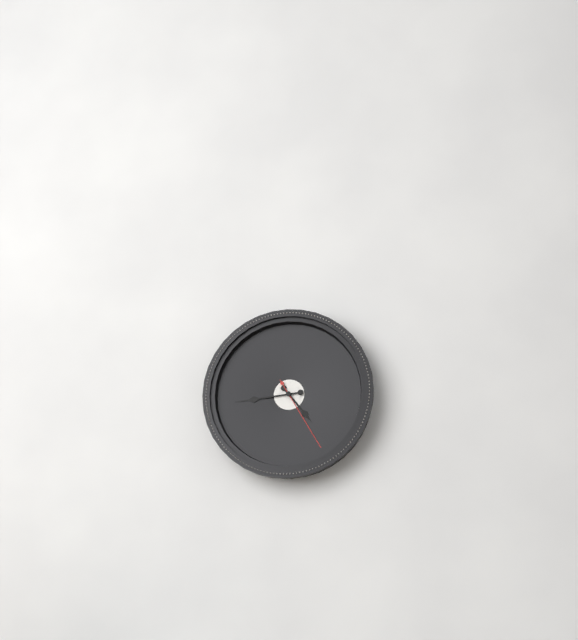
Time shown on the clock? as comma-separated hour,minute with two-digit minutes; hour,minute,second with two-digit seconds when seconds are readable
4,44,25
